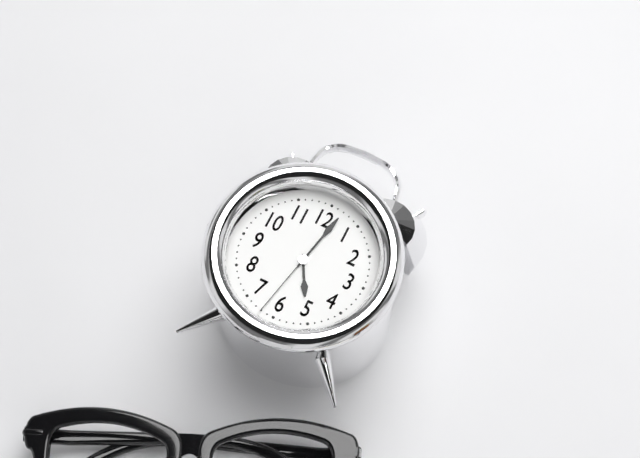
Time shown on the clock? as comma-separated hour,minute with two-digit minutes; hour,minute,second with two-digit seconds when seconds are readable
5,02,32
